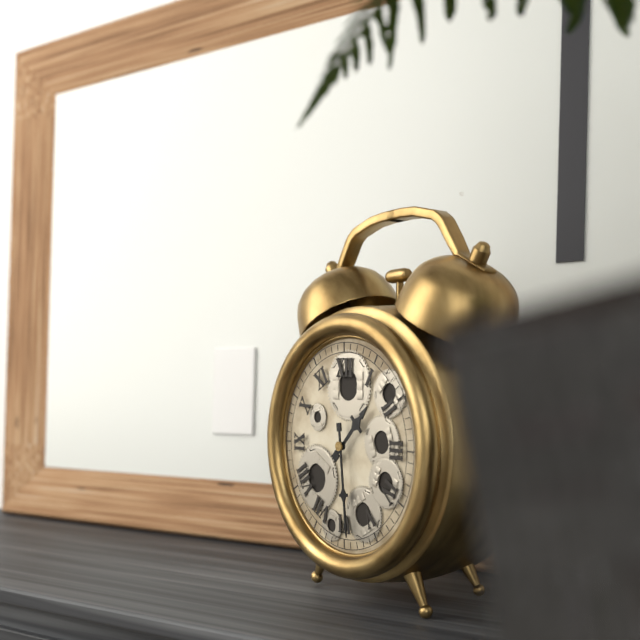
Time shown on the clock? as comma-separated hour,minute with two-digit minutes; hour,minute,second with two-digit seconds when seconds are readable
1,29
